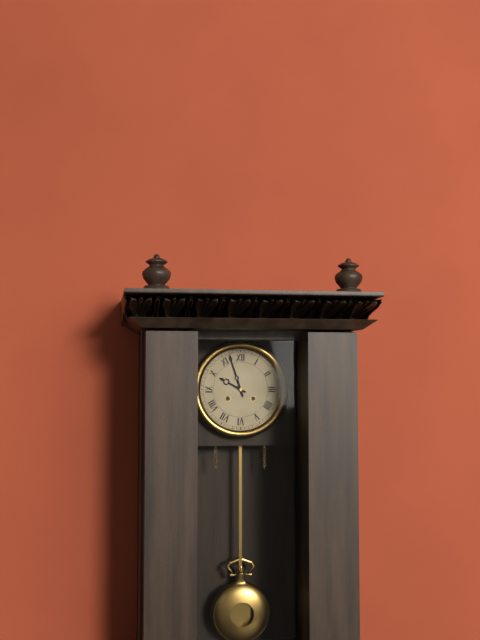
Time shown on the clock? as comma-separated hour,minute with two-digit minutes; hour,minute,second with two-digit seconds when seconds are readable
9,57
